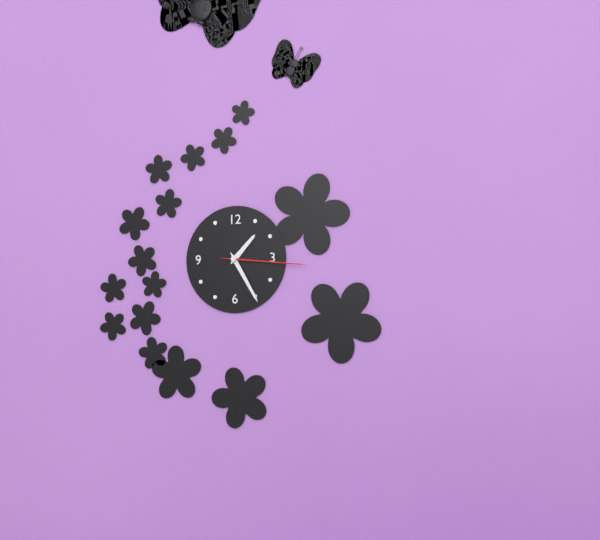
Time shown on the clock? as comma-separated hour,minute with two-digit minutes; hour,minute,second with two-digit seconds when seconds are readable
1,25,16
